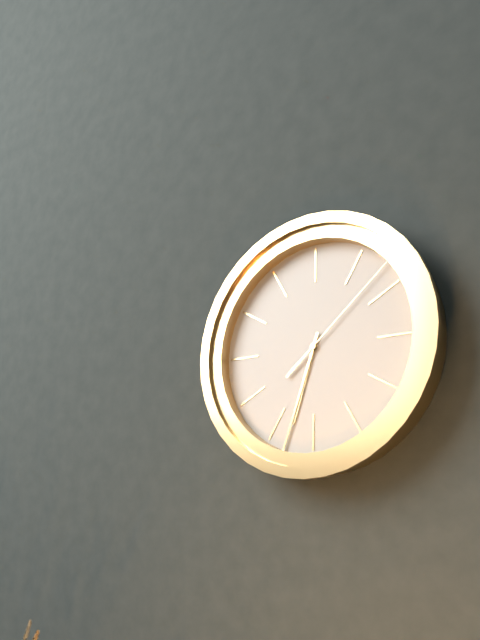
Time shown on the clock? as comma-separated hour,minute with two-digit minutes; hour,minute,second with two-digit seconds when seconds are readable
6,33,08
